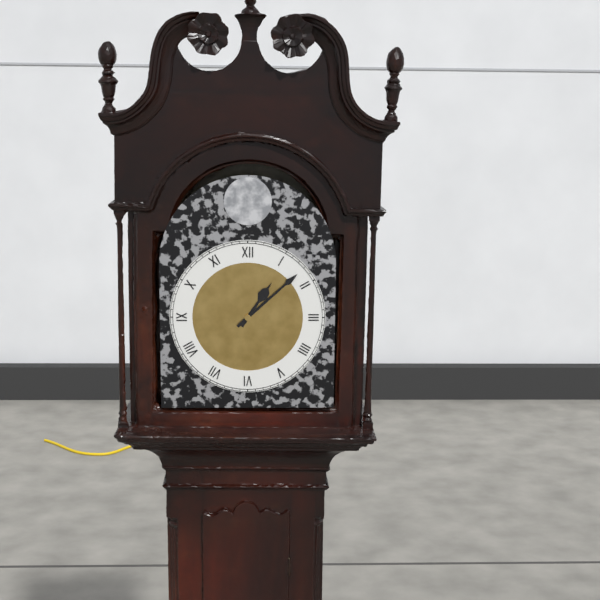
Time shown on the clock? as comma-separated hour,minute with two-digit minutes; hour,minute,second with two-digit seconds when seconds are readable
1,08
